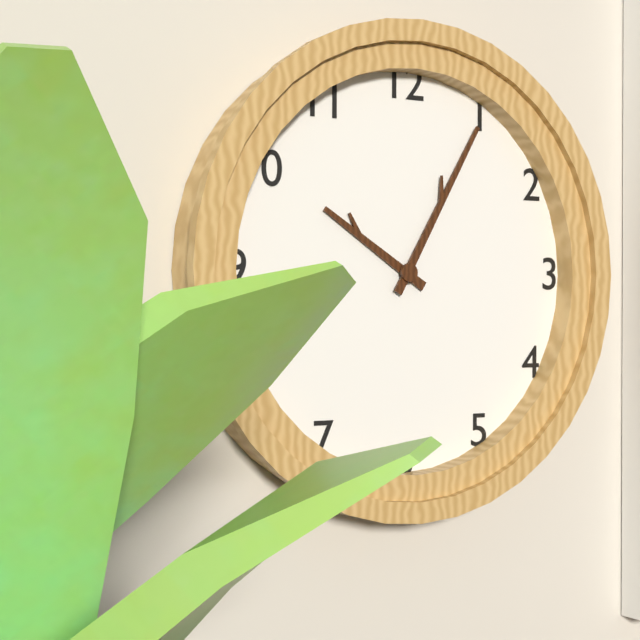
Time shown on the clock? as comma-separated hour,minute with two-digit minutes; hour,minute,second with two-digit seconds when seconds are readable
10,05
